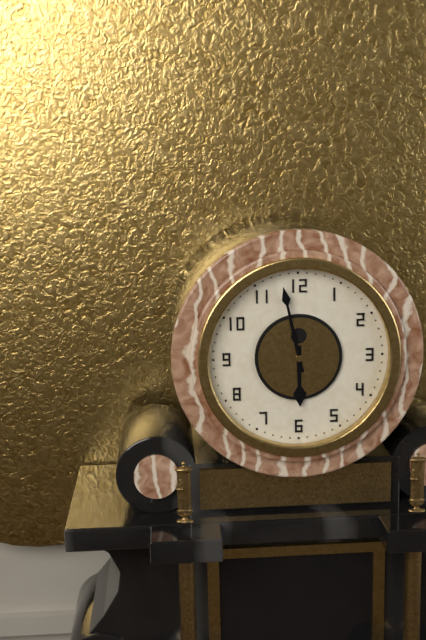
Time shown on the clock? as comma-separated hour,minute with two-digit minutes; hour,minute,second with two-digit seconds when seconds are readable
5,58
